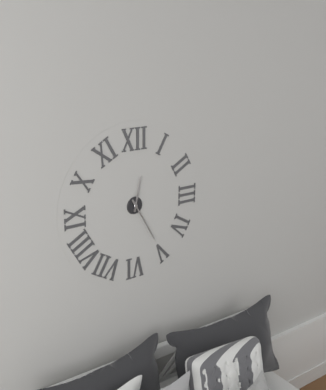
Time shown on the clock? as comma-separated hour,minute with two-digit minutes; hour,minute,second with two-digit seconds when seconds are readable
12,25
